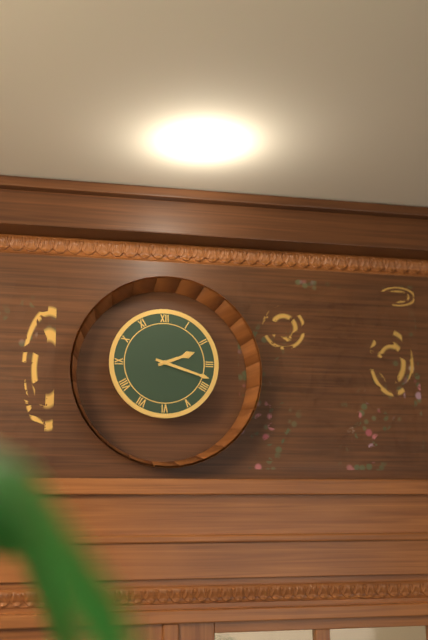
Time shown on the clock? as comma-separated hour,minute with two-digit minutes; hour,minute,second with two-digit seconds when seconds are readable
2,18
